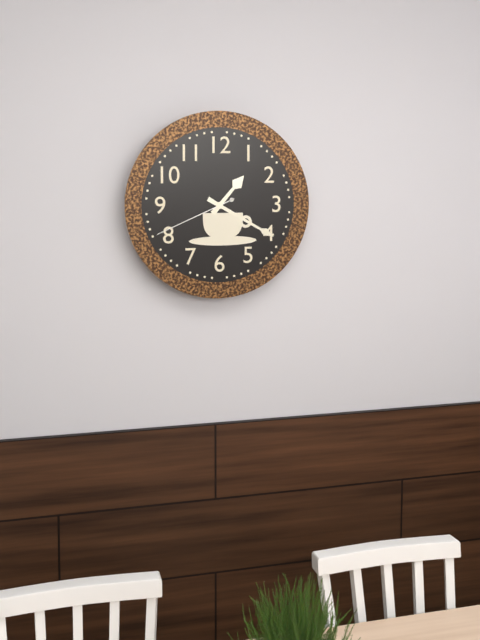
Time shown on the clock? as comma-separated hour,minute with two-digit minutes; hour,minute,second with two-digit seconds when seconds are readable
1,20,41
